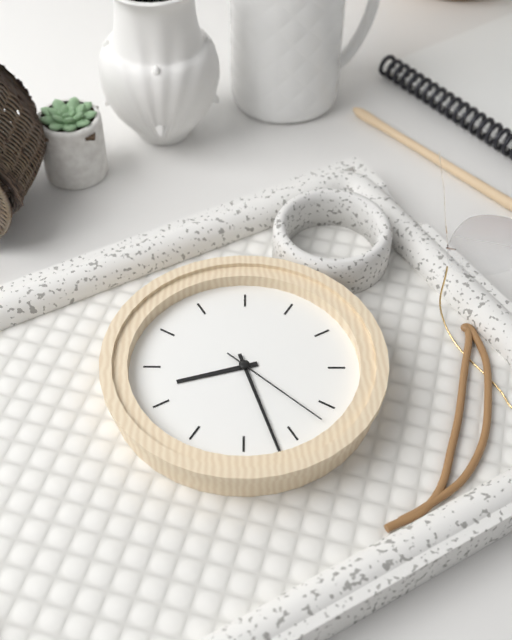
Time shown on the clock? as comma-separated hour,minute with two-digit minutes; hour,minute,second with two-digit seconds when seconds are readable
8,27,22
